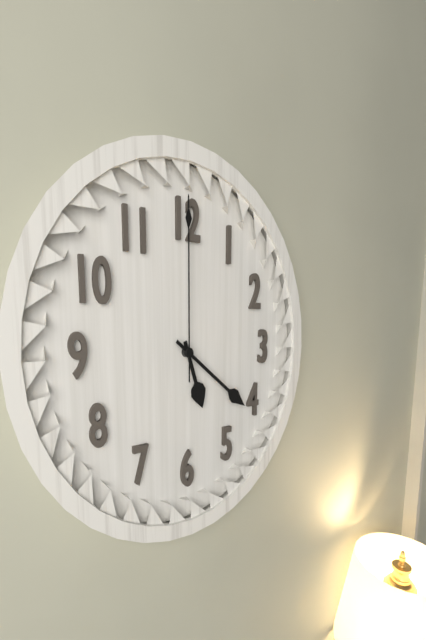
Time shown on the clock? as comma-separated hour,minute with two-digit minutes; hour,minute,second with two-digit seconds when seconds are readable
5,21,00
